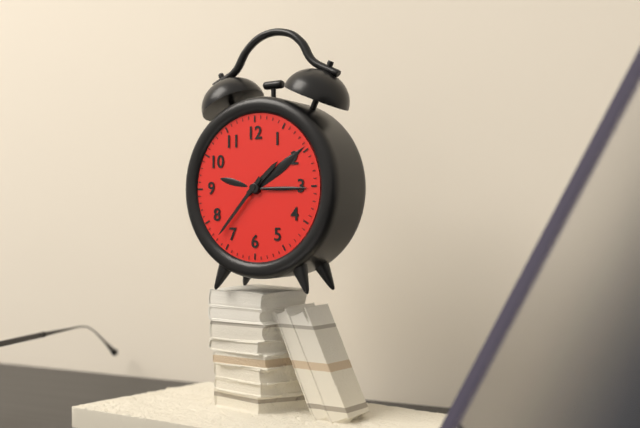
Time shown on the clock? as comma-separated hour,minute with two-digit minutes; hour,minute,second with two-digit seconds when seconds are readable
1,37
